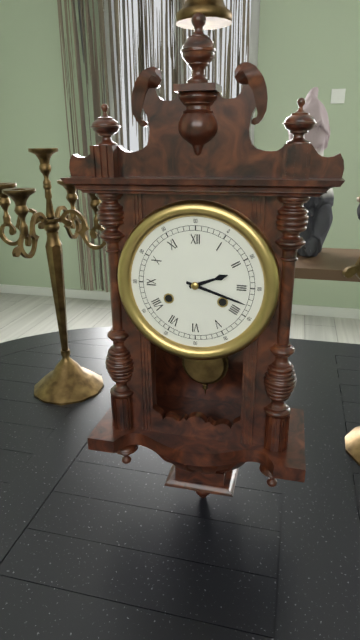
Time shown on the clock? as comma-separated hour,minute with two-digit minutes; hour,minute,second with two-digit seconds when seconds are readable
2,18
